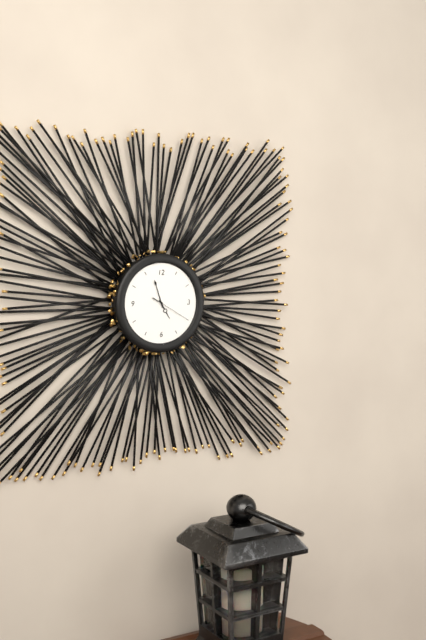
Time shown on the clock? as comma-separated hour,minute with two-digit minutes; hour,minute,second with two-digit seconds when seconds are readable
4,57
